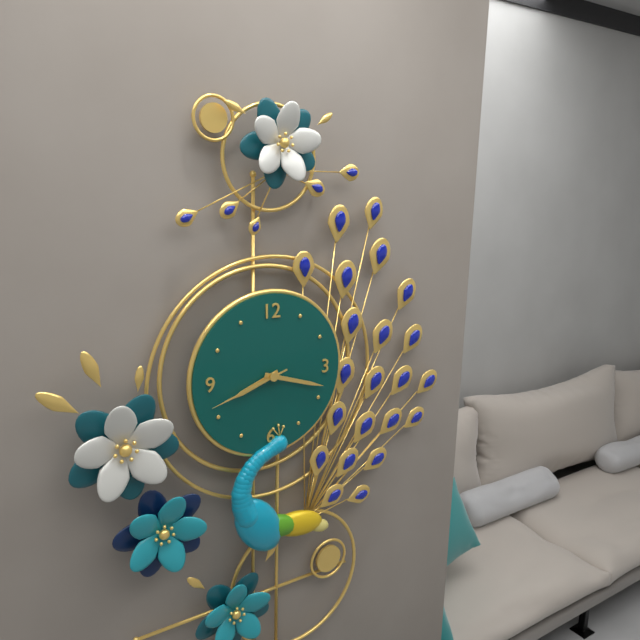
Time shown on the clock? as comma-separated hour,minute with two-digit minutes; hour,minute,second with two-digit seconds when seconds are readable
8,18,42
